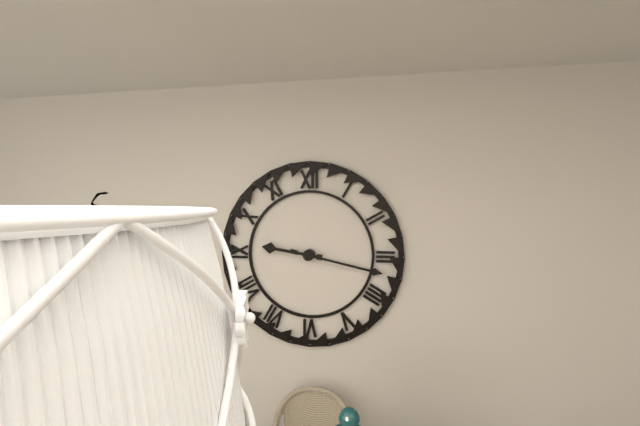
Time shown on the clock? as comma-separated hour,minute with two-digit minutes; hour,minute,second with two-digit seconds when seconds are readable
9,17
